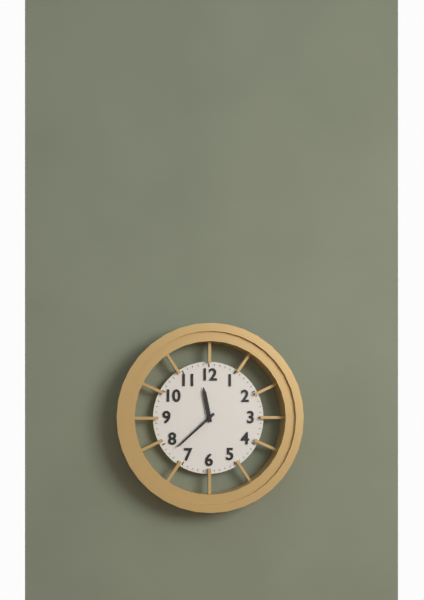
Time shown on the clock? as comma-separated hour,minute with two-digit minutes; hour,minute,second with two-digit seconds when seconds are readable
11,38
